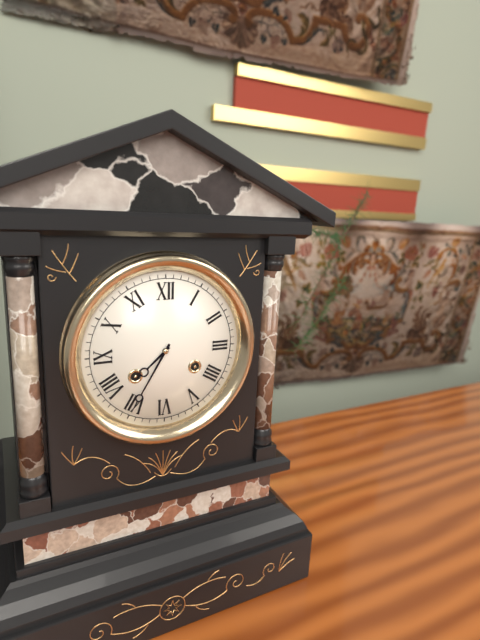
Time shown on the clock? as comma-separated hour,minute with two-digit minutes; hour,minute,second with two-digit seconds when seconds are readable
7,35
